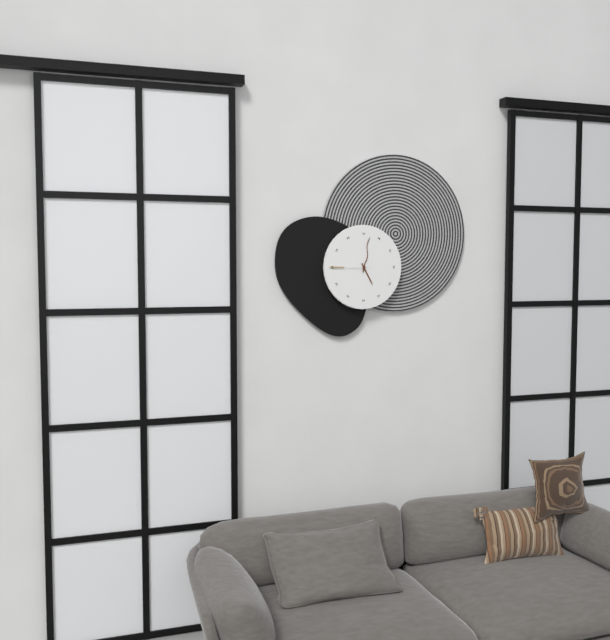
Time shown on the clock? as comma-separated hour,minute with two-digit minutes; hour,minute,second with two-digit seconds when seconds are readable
5,02
